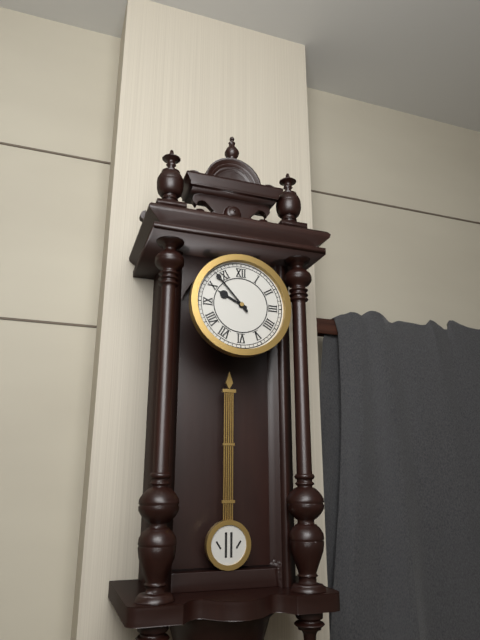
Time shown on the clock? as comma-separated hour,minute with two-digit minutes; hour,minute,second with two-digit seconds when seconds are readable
9,53
